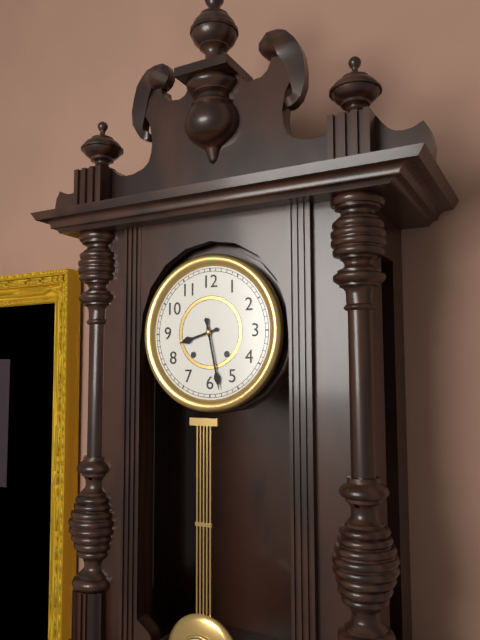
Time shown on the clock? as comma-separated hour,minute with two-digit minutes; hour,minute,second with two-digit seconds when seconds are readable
8,28
